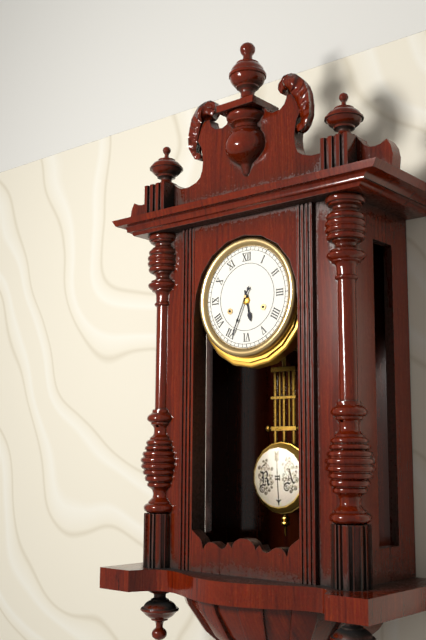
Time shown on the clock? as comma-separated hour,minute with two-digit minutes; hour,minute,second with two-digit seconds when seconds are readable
5,34
